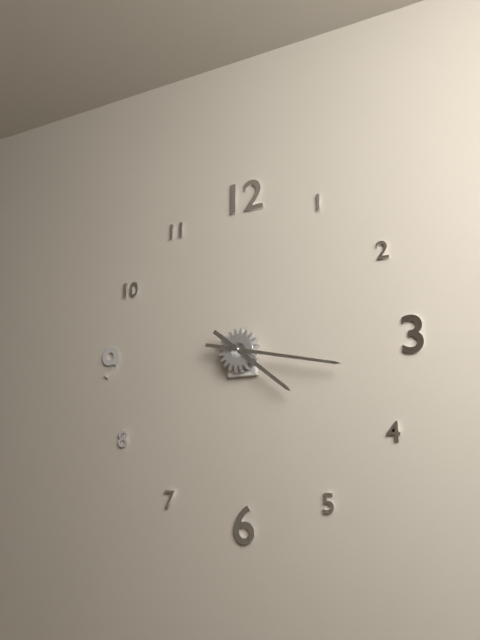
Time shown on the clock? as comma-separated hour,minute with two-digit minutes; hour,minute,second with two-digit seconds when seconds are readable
4,17
